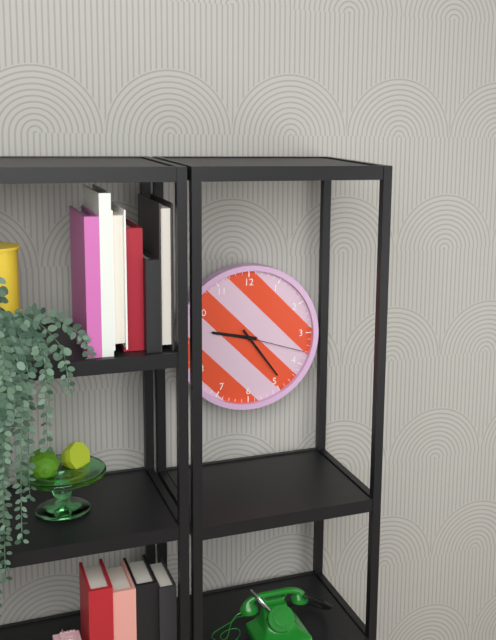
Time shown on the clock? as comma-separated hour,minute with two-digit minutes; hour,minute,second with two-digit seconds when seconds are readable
9,24,18
